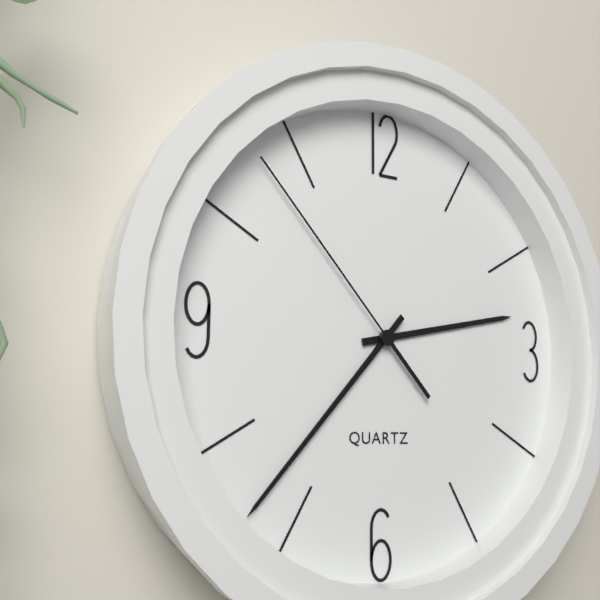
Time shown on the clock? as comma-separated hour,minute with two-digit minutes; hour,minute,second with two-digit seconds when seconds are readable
2,37,53
